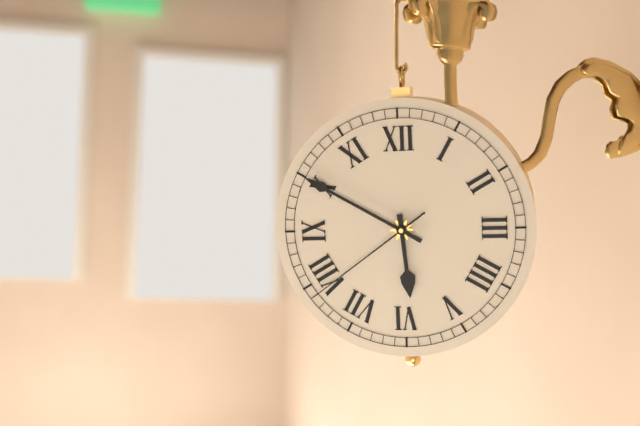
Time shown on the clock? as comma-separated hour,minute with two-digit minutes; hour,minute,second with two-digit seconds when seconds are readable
5,50,39
